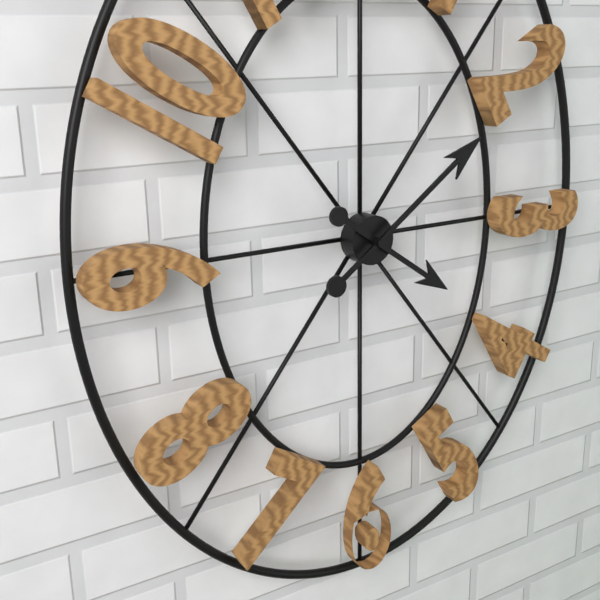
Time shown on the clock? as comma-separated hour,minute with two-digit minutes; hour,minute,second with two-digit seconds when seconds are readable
4,09
